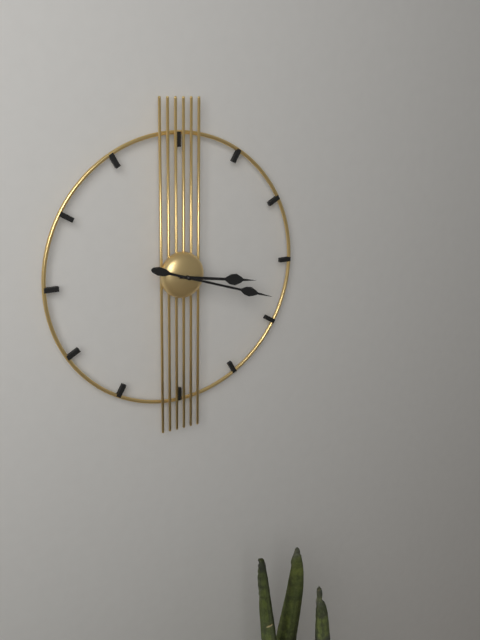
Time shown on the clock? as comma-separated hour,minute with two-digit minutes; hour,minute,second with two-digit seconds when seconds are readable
3,18
